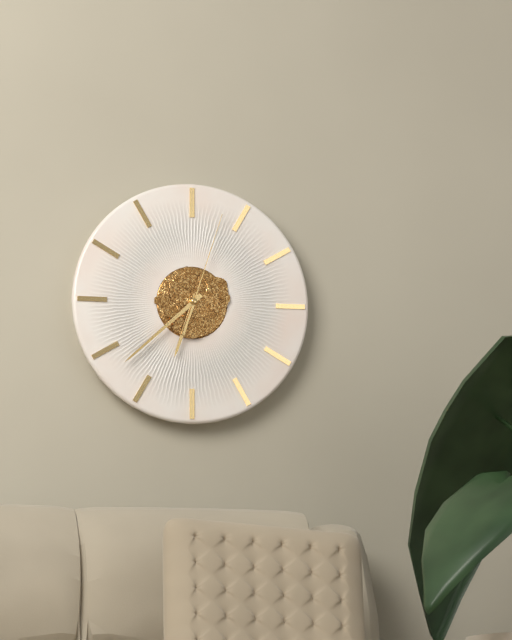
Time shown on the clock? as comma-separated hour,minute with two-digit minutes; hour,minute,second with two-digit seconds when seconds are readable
6,38,03
